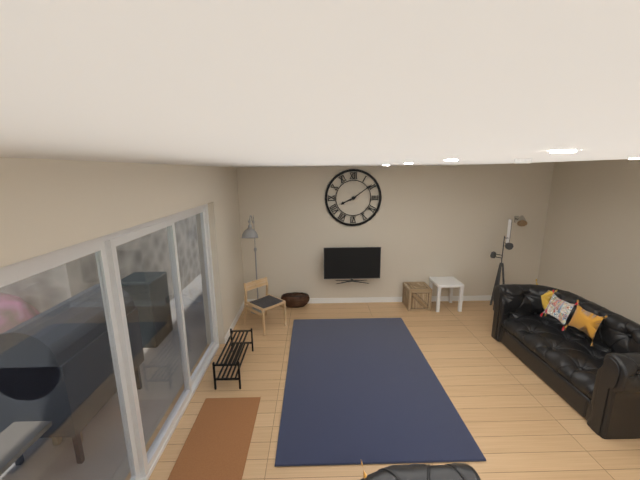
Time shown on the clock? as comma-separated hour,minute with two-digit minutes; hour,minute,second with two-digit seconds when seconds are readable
8,09
